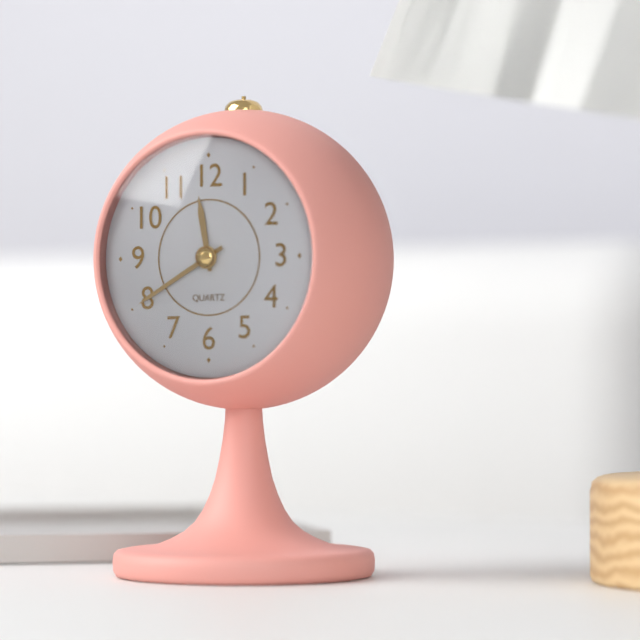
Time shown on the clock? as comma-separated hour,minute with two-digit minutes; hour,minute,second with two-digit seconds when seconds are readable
11,40
